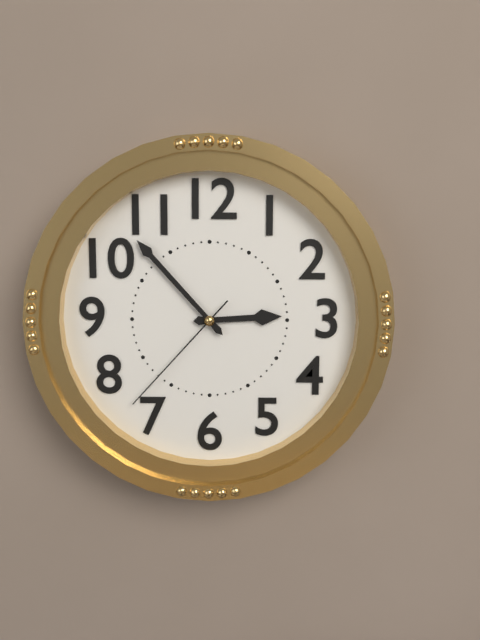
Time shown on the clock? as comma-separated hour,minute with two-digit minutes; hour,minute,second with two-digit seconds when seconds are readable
2,53,37
